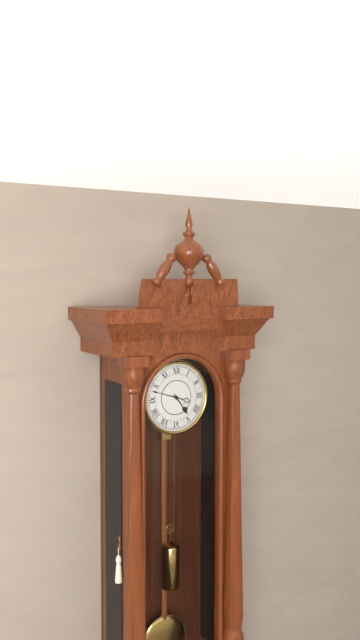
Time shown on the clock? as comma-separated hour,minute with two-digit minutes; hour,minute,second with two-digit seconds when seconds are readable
4,48
